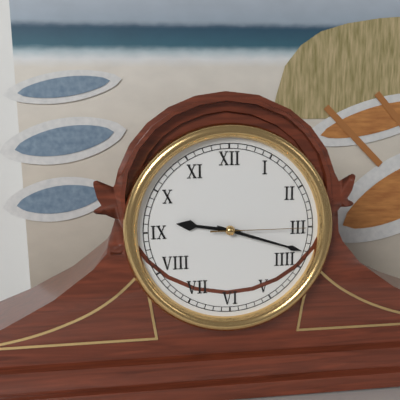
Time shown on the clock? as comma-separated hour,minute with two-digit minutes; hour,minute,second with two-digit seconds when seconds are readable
9,18,15
